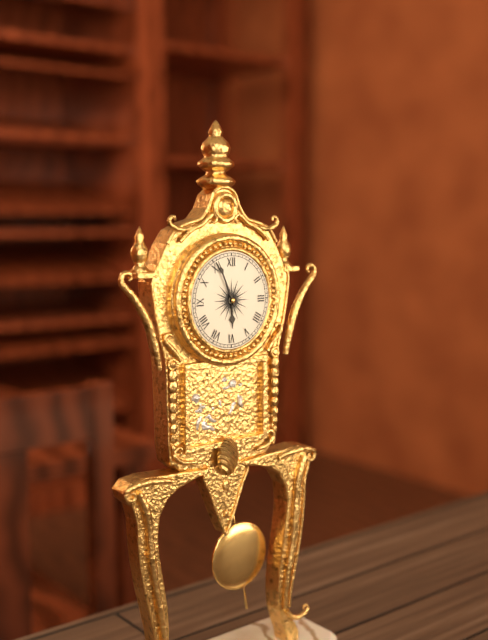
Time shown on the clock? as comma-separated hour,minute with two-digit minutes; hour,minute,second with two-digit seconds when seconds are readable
5,56
